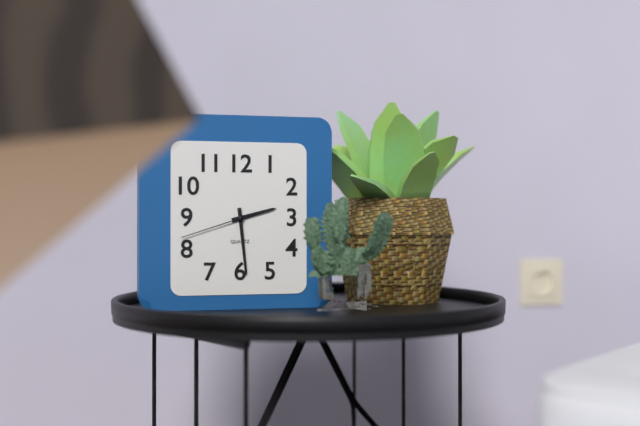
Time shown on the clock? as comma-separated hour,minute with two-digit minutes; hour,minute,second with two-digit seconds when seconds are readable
2,29,42
